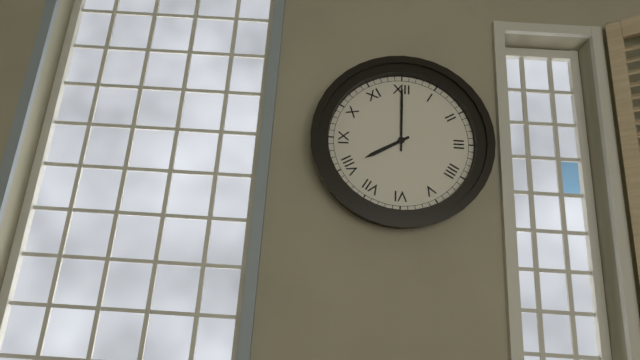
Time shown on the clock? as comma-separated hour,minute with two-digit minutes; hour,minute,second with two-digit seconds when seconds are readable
8,00
